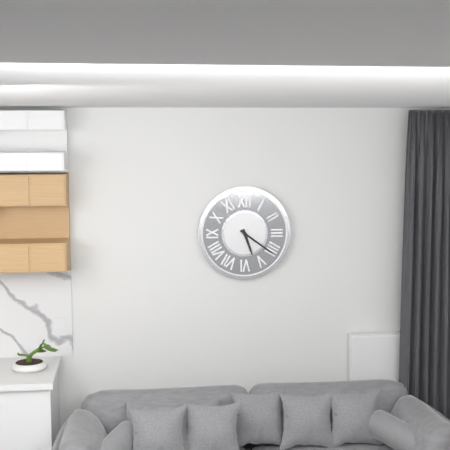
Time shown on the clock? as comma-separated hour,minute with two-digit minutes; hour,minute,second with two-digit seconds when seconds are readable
5,21
